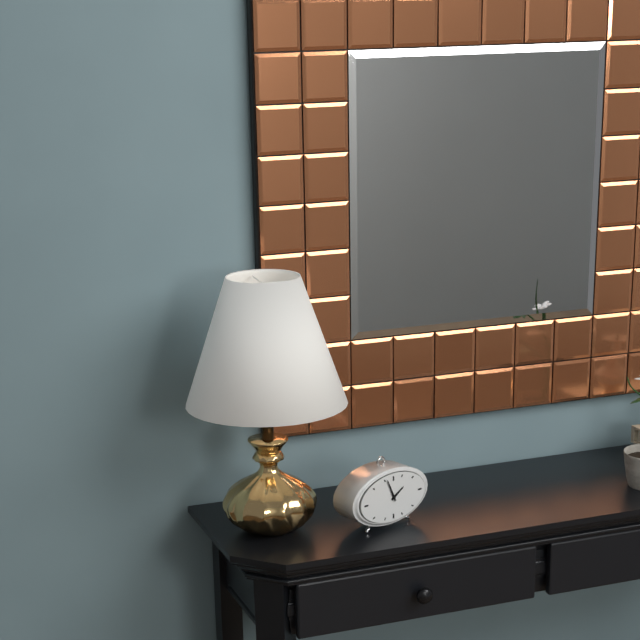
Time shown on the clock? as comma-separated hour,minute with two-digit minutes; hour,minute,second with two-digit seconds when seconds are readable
1,56
